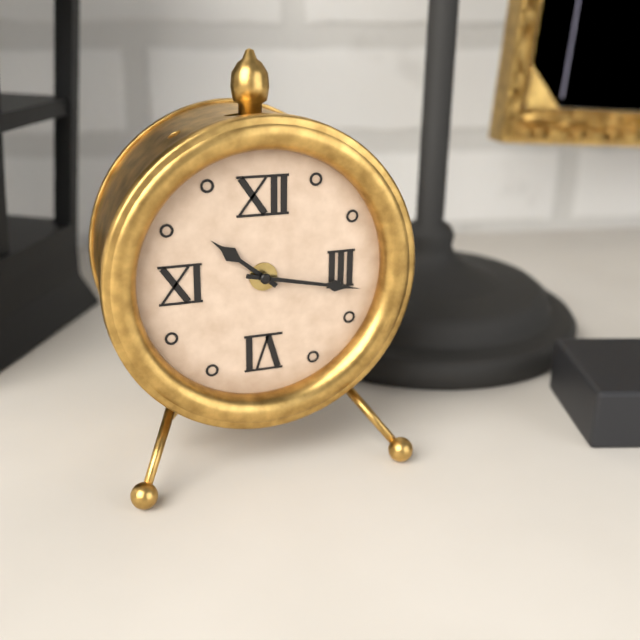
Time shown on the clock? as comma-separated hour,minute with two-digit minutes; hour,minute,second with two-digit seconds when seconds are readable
10,17
